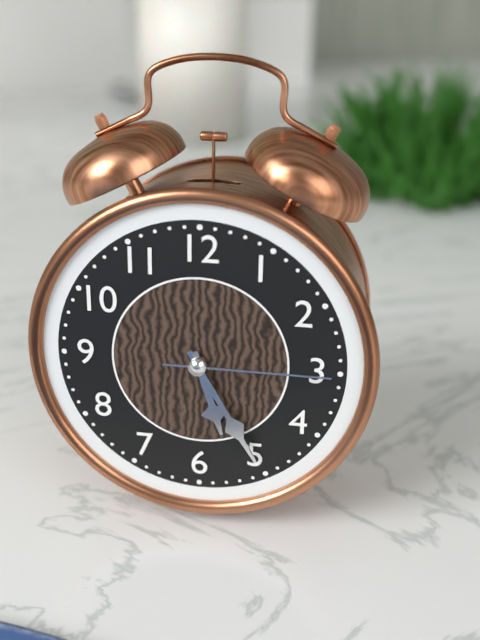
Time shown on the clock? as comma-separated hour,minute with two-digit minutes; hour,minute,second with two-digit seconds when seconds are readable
5,25,15
